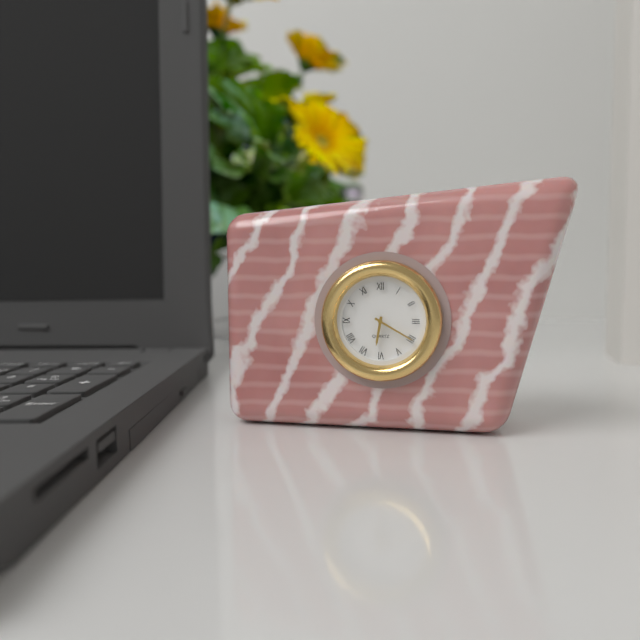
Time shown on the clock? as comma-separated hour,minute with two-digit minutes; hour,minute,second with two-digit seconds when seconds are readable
6,20
